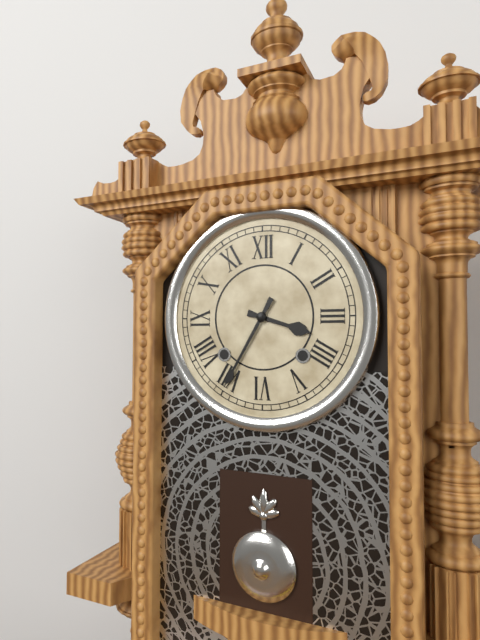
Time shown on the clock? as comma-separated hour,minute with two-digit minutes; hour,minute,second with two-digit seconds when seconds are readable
3,35
